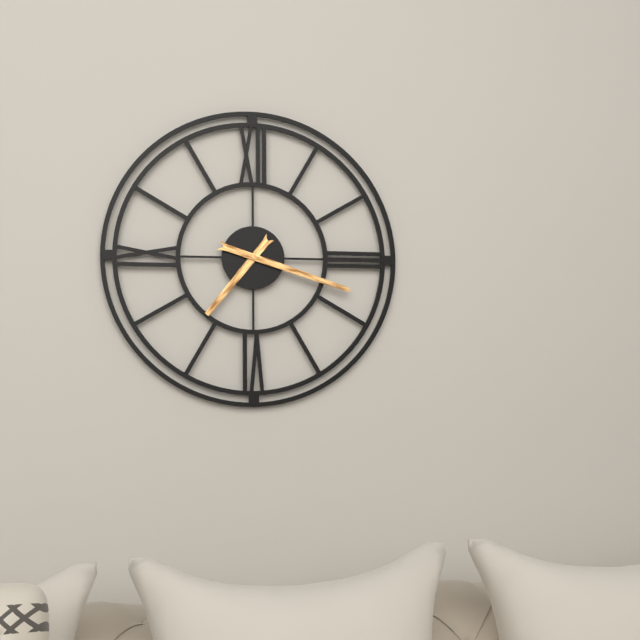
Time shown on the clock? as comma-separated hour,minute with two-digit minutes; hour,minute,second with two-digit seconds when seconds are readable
7,18
